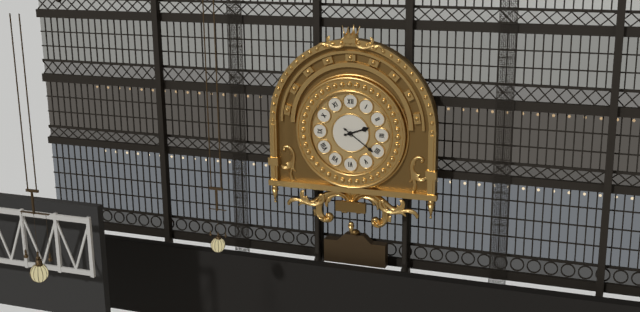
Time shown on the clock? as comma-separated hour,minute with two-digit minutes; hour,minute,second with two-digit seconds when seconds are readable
2,21
